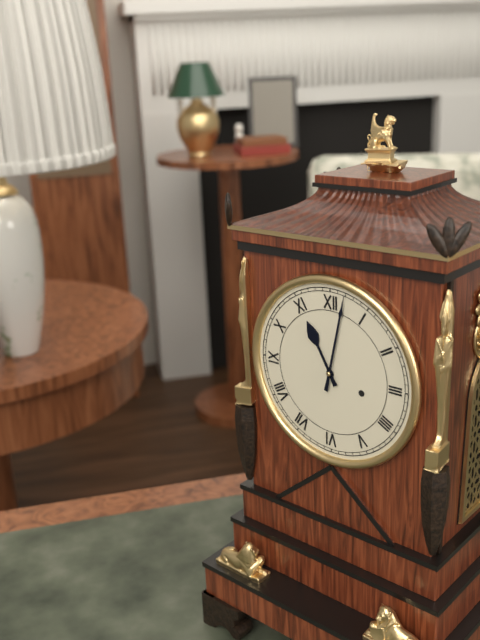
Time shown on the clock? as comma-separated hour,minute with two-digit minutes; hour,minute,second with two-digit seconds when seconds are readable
11,02
